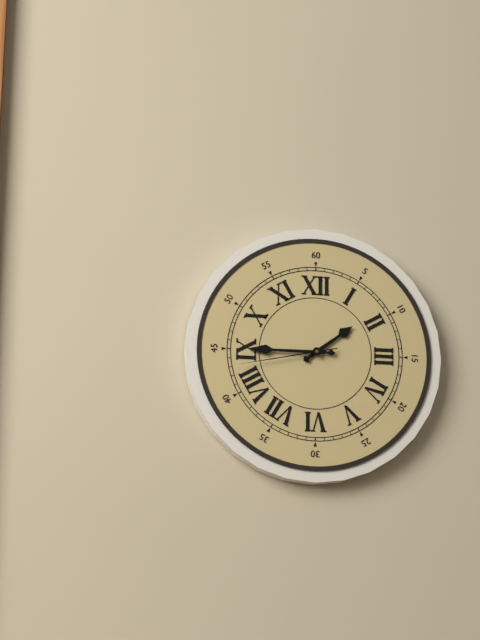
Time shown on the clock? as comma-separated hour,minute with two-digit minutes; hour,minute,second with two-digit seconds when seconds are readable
1,45,43
